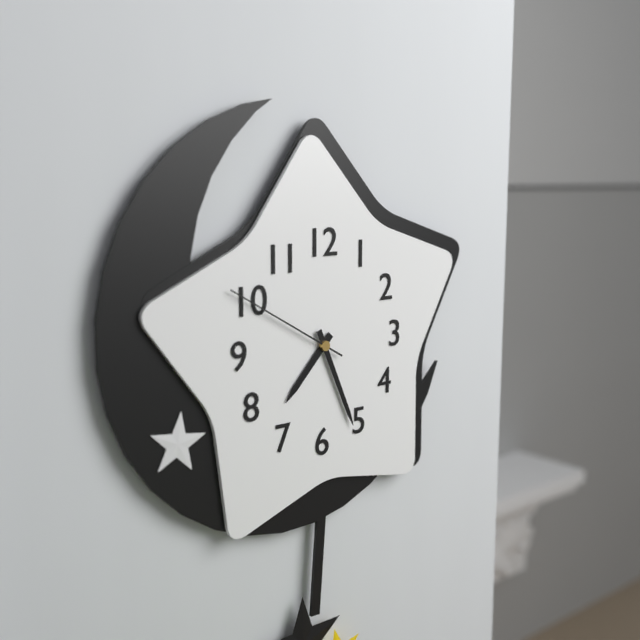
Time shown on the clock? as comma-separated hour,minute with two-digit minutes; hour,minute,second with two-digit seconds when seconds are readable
7,26,50
